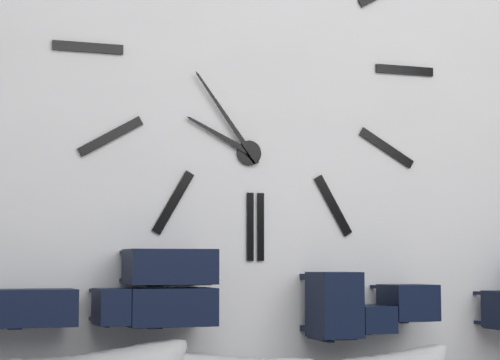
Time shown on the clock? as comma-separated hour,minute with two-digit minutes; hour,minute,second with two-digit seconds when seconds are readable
9,54
